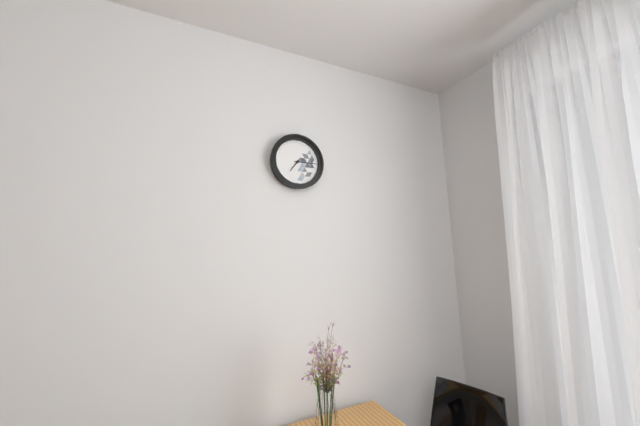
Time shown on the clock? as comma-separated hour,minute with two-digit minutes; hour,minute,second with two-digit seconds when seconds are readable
7,15
